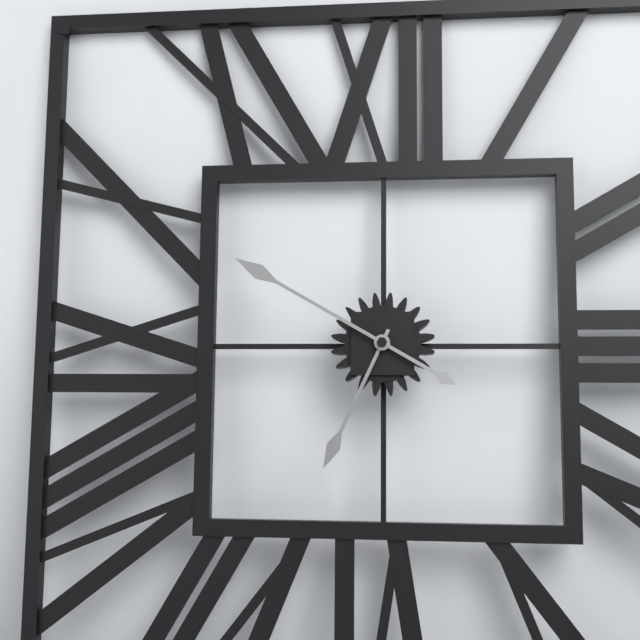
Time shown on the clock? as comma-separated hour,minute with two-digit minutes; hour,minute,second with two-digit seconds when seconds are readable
6,50
